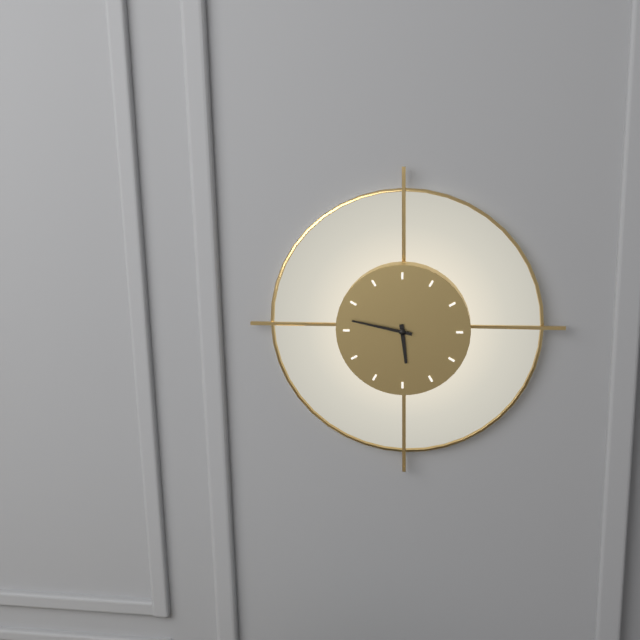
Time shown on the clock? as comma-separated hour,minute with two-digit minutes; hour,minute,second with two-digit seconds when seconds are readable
5,47
